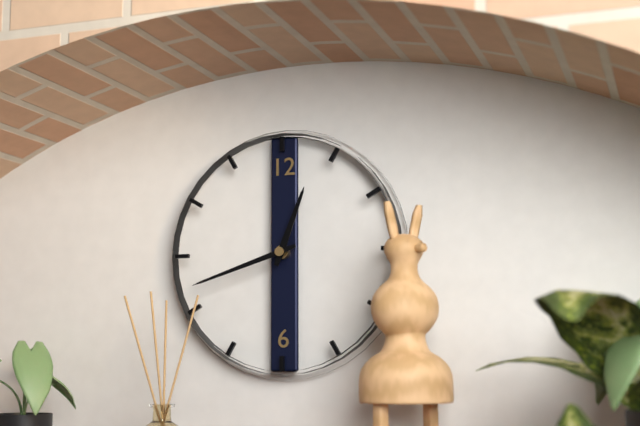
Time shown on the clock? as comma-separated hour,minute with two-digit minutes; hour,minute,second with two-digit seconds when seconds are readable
12,42
